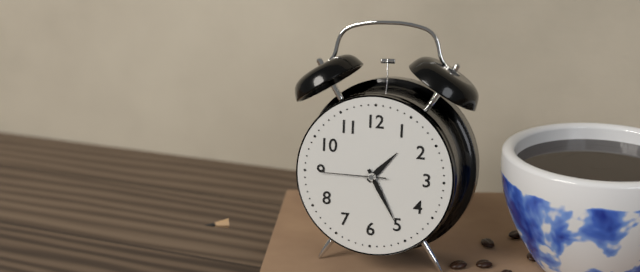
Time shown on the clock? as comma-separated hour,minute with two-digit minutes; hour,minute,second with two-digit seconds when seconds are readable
1,25,45
